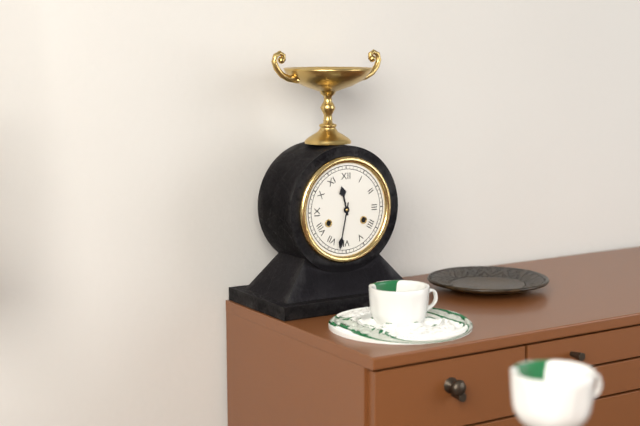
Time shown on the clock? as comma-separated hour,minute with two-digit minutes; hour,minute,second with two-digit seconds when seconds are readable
11,32
